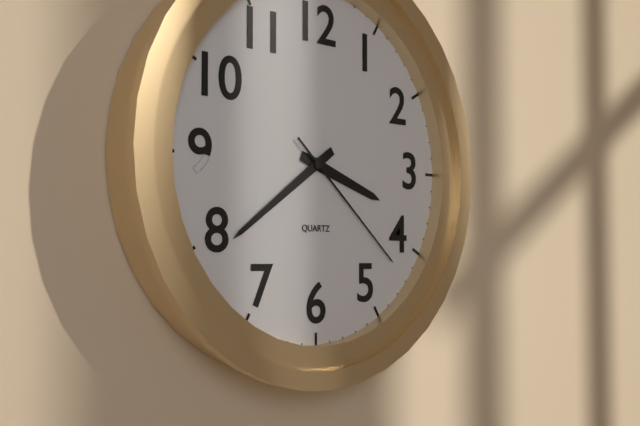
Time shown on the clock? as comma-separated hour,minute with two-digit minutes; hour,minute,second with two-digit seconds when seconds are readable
3,39,22
